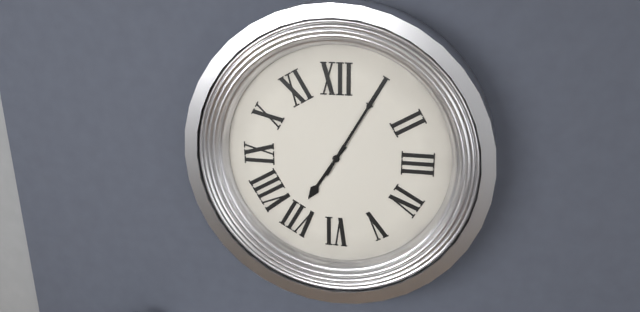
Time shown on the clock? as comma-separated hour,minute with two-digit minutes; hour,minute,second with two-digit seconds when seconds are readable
7,05
